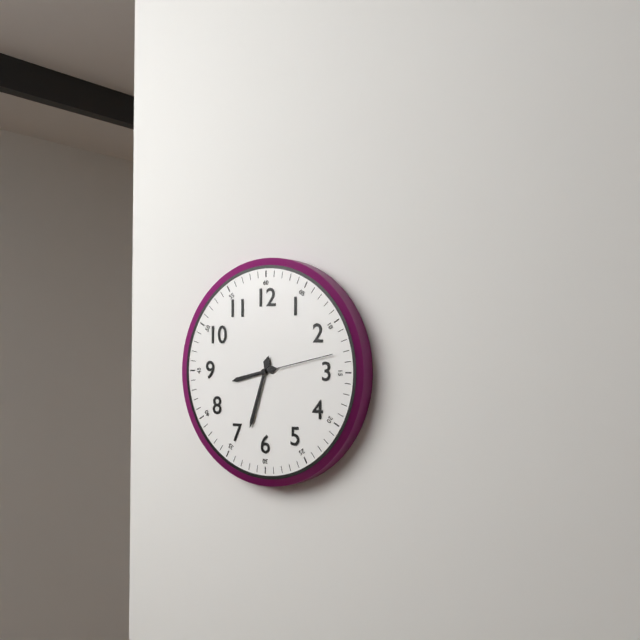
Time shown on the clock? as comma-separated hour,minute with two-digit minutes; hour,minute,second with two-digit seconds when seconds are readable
8,33,13
